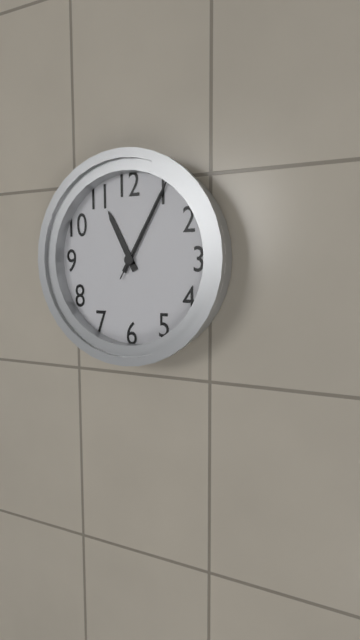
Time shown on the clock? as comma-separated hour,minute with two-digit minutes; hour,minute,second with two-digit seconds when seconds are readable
11,05,05
